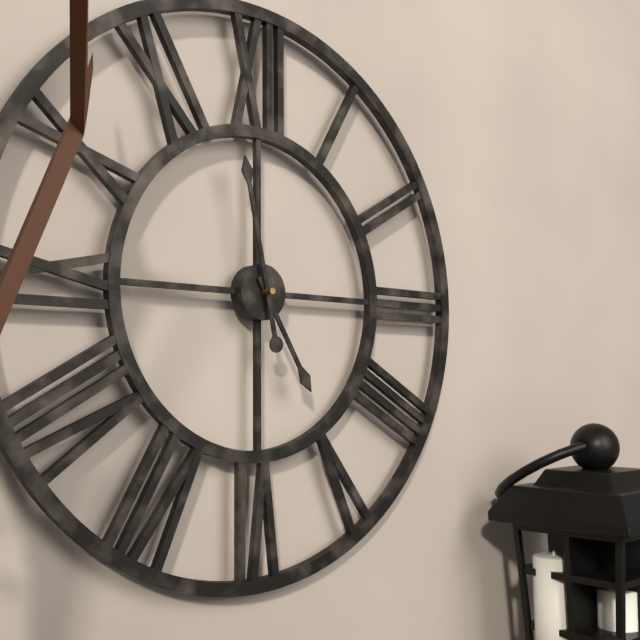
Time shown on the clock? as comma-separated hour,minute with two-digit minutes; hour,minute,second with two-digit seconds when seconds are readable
4,58
